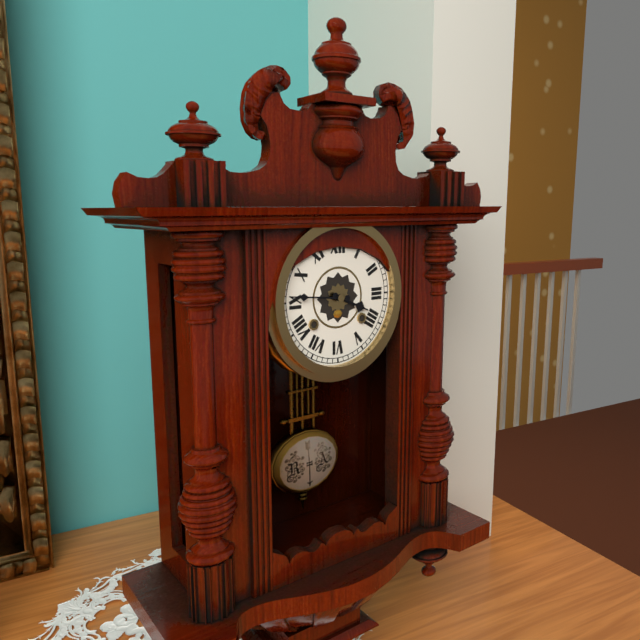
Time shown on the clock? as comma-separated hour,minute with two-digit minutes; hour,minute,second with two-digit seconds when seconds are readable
3,46
